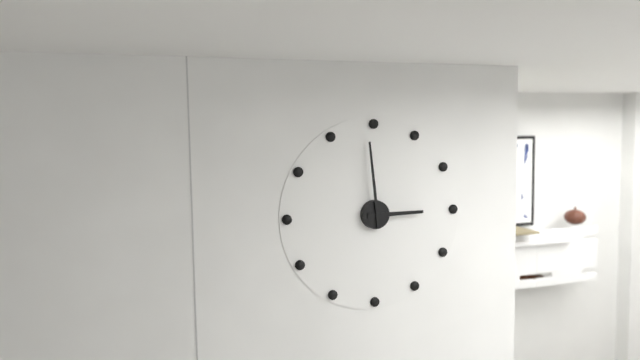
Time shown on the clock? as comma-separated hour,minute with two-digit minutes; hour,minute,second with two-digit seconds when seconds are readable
2,59
